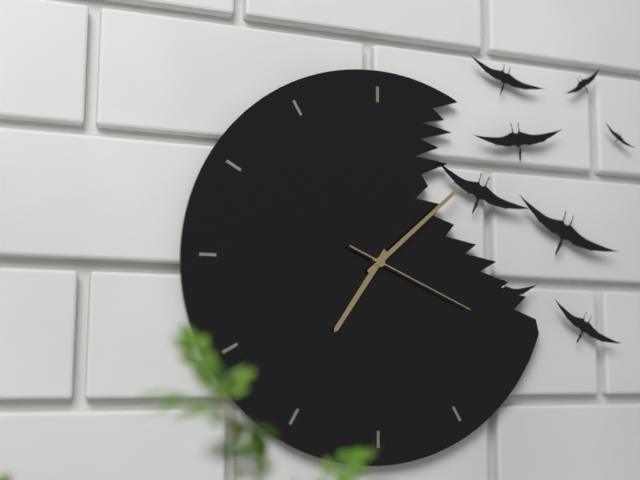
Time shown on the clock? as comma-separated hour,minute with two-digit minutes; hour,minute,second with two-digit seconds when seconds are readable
7,08,19
